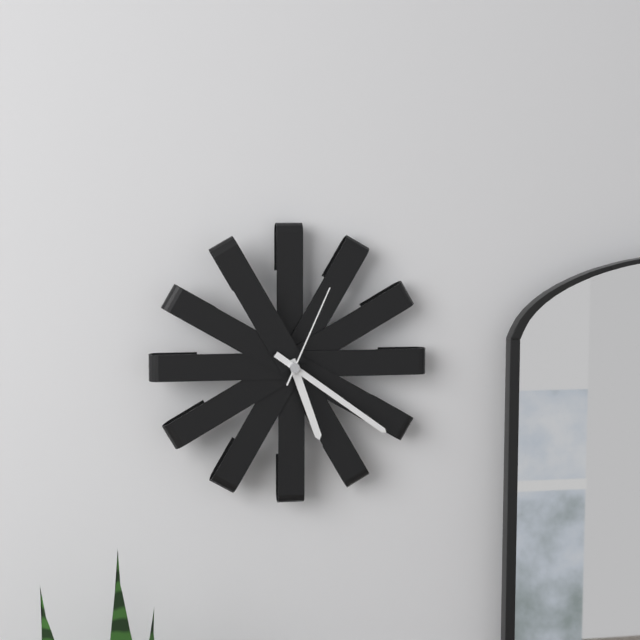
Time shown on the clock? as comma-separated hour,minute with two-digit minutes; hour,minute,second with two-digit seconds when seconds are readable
5,21,04
